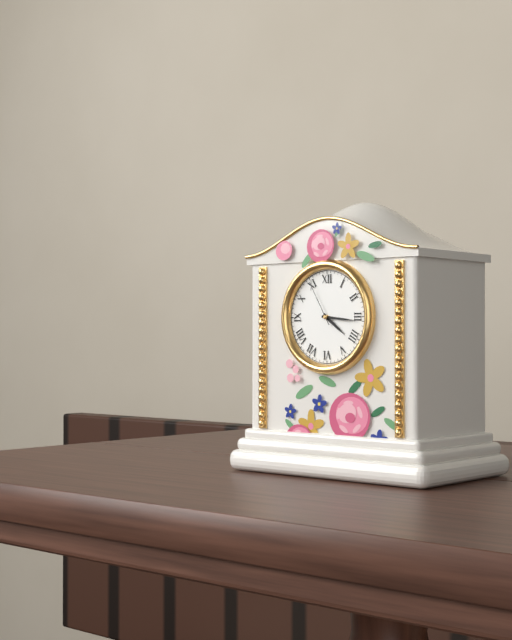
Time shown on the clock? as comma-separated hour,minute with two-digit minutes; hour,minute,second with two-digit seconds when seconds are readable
4,16
